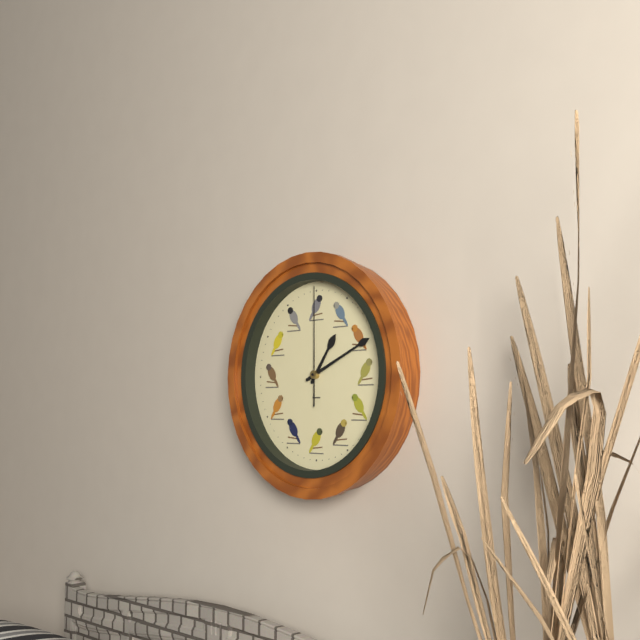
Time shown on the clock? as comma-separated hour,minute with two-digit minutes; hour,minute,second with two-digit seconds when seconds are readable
1,11,00
